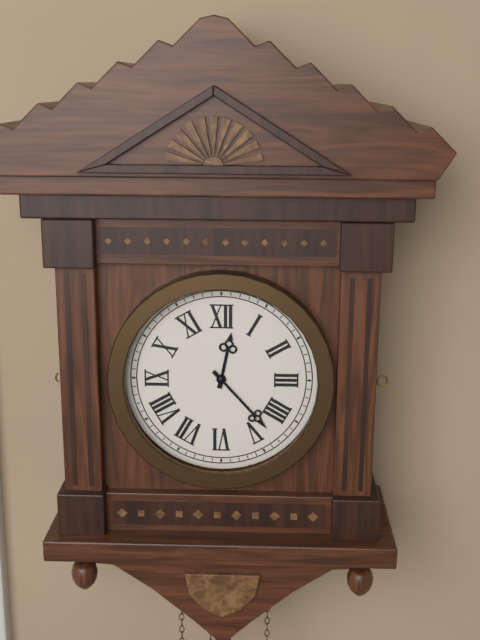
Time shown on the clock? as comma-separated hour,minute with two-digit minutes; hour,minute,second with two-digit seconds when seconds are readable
12,23
